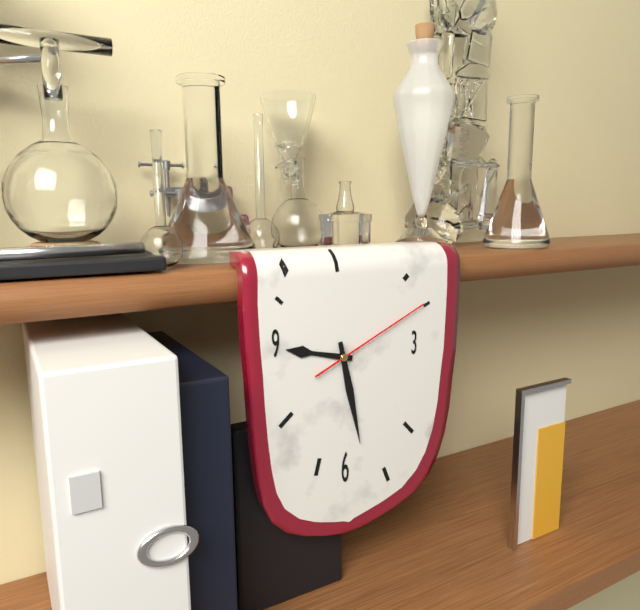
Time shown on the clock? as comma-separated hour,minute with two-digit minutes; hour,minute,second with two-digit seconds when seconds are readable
9,28,11
